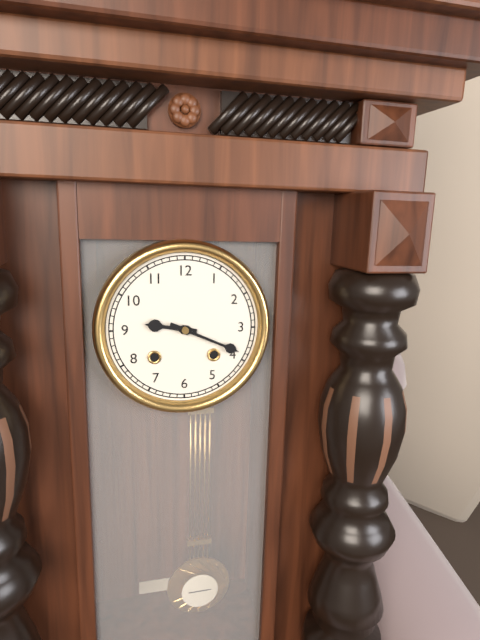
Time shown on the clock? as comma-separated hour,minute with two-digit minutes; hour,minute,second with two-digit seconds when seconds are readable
9,19
